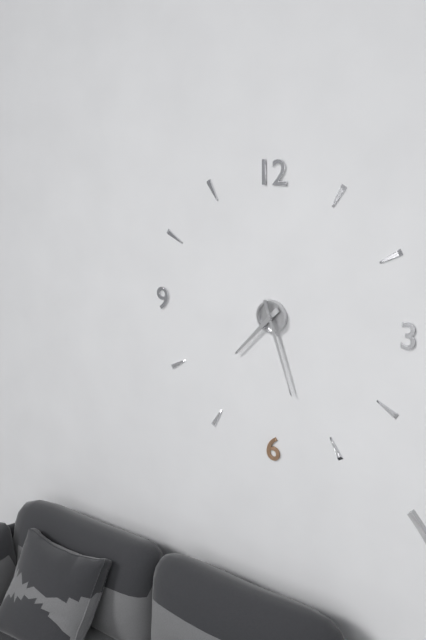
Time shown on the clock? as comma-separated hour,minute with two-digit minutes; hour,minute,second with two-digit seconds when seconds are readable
7,27
